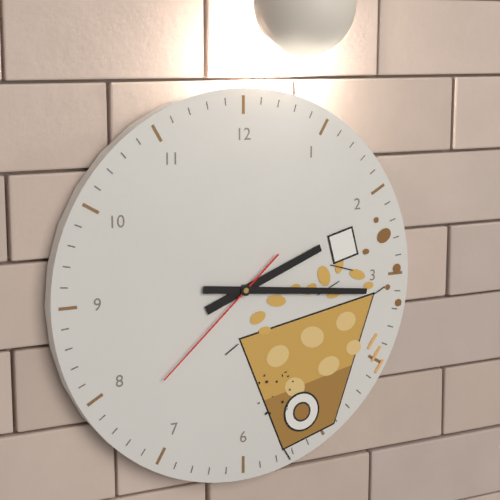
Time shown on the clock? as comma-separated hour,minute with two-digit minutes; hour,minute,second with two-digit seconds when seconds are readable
2,16,38
